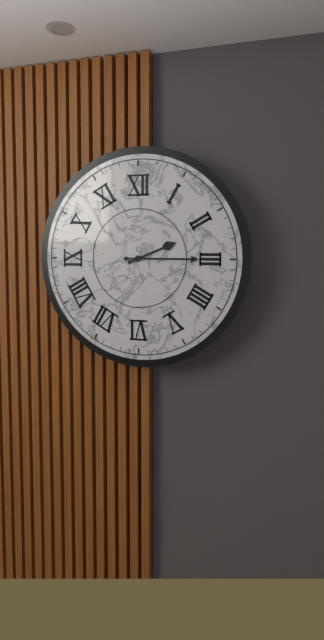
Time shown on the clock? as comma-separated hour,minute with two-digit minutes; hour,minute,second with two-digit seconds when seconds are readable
2,15
